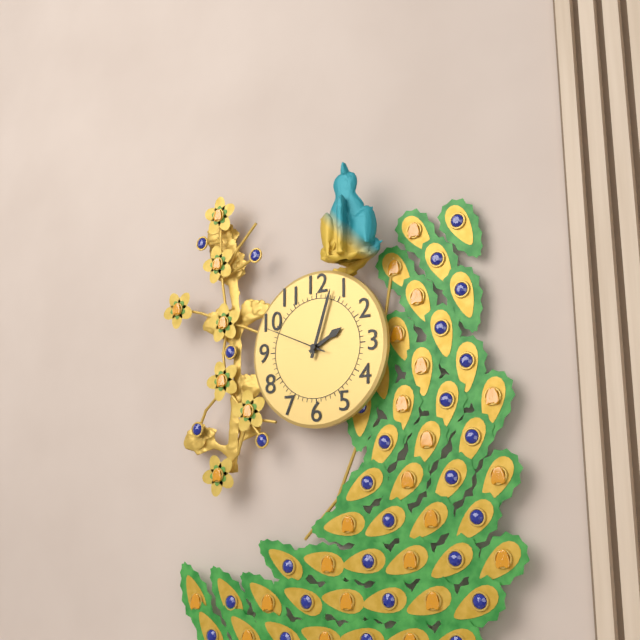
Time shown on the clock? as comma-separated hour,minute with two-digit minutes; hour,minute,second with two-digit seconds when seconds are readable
2,03,49
